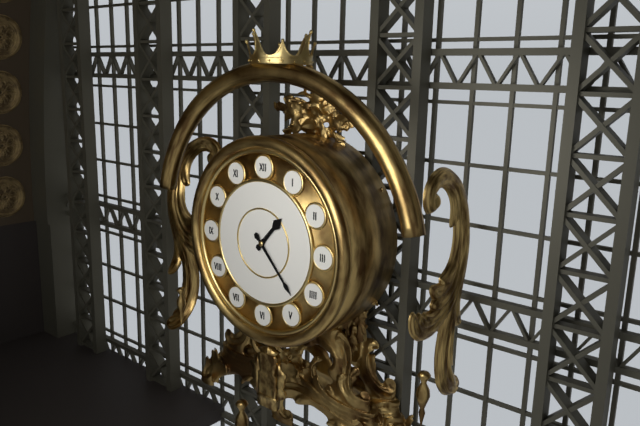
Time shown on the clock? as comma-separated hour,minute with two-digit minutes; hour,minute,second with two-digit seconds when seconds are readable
1,23
